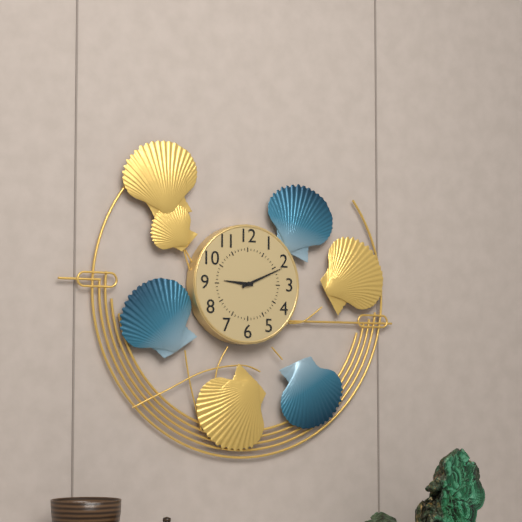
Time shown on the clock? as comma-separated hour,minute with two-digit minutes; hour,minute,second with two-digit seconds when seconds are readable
9,11
